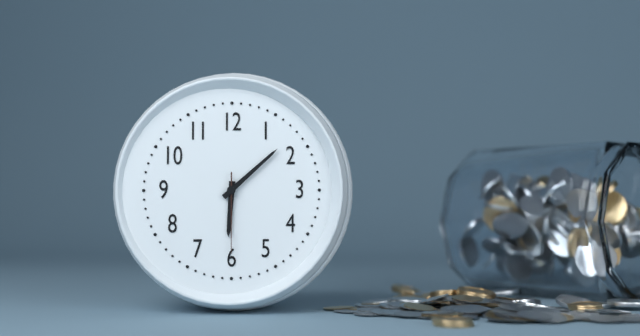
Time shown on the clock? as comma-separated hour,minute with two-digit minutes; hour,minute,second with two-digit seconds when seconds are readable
6,08,30
